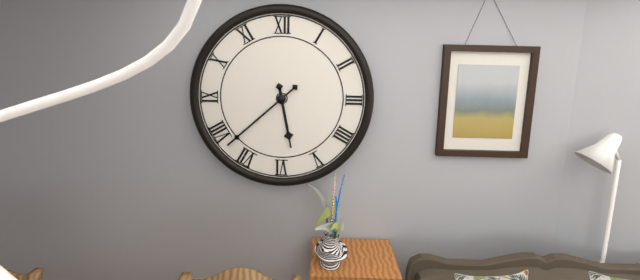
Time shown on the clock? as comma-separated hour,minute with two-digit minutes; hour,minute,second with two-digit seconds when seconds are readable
5,38
